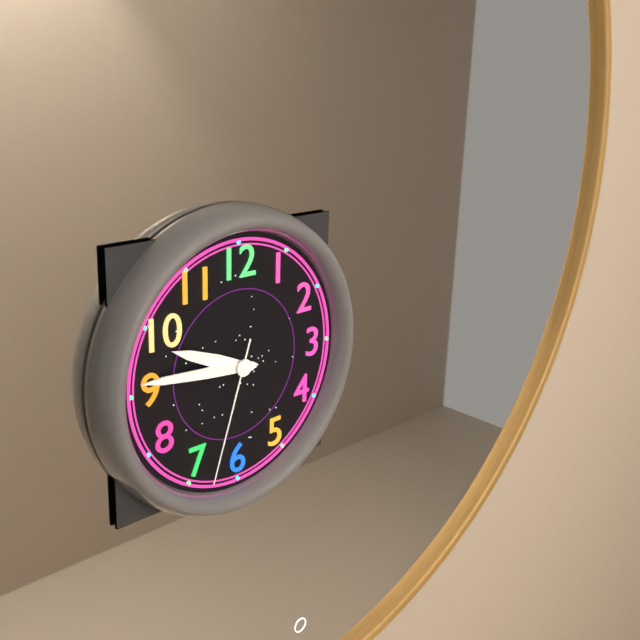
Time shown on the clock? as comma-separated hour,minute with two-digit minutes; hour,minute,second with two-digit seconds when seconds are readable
9,46,33
